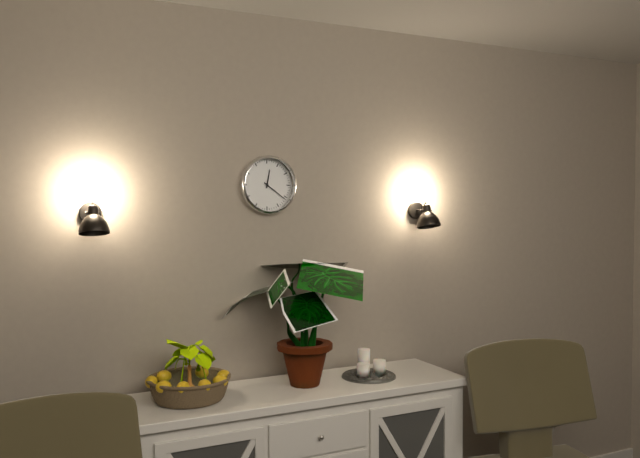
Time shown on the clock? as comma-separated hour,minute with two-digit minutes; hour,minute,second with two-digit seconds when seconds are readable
12,21
